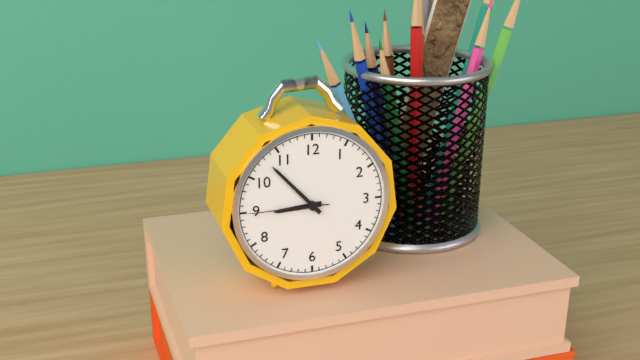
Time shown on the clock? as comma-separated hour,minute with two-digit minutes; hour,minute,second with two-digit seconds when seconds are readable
8,53,45
